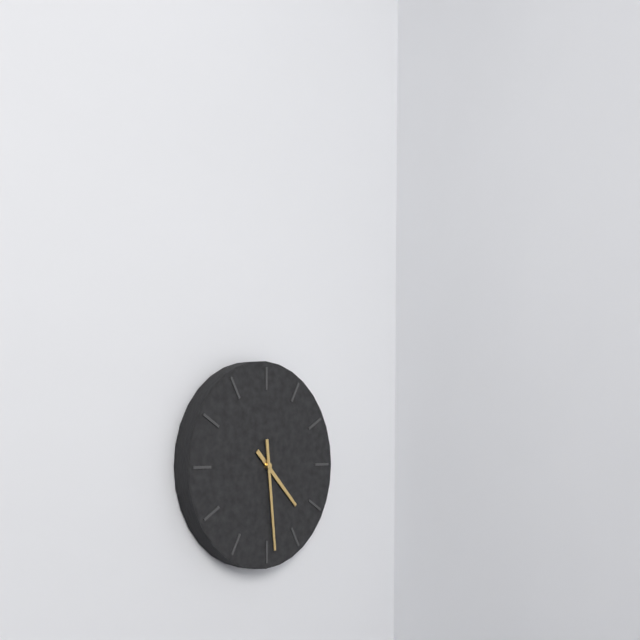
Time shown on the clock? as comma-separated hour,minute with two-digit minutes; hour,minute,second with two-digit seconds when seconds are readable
4,29
